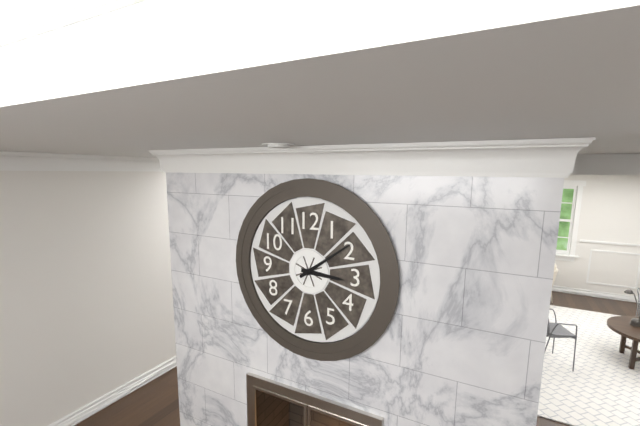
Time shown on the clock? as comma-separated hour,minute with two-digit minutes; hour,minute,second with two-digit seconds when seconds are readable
3,09
